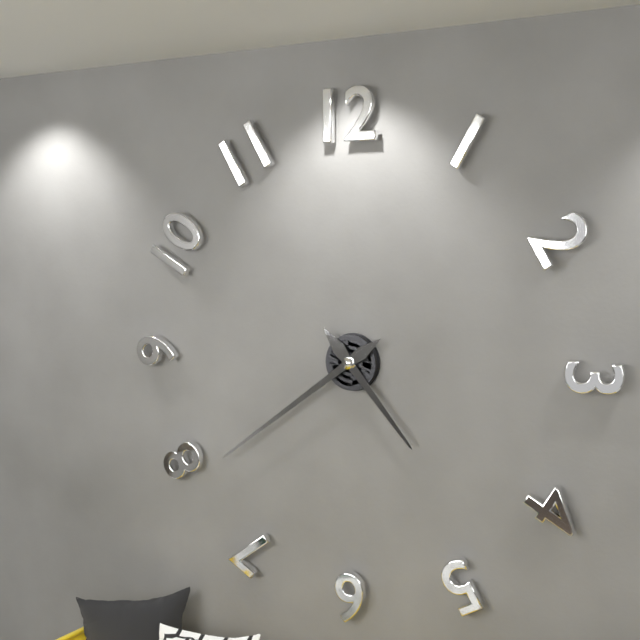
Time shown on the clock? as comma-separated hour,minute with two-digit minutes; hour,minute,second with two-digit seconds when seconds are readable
4,39
